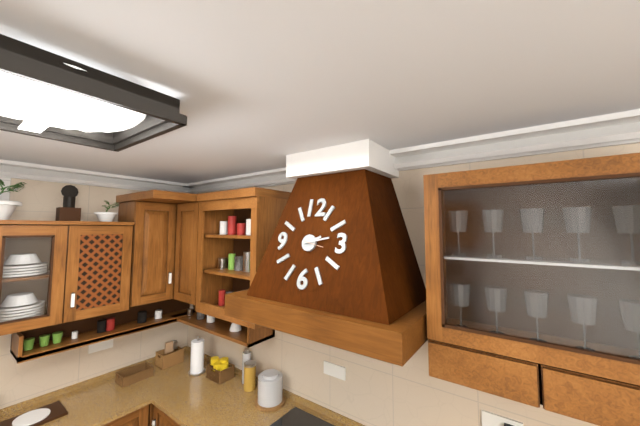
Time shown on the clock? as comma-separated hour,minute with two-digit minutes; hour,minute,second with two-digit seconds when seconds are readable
2,13
